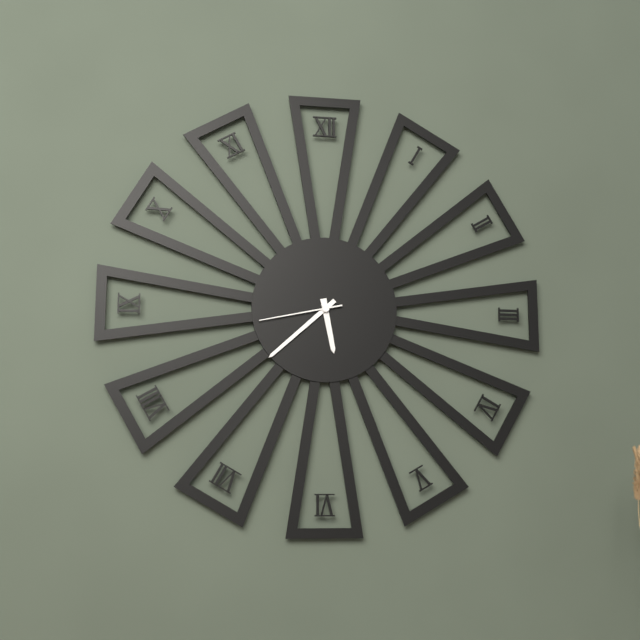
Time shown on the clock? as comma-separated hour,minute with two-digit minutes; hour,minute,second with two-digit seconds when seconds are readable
5,38,43
